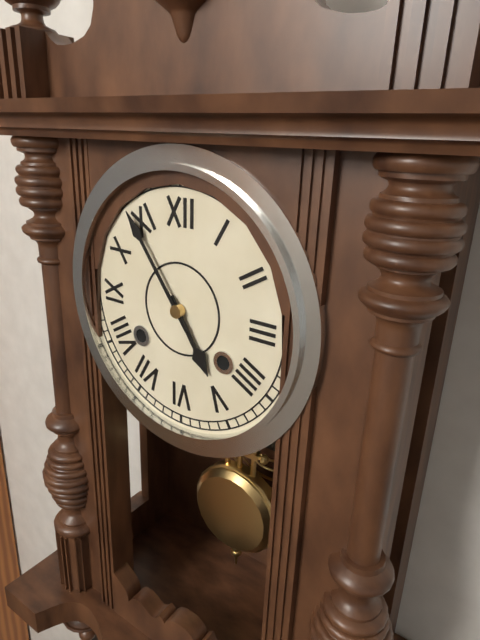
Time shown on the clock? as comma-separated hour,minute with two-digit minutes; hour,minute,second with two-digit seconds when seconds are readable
4,54
